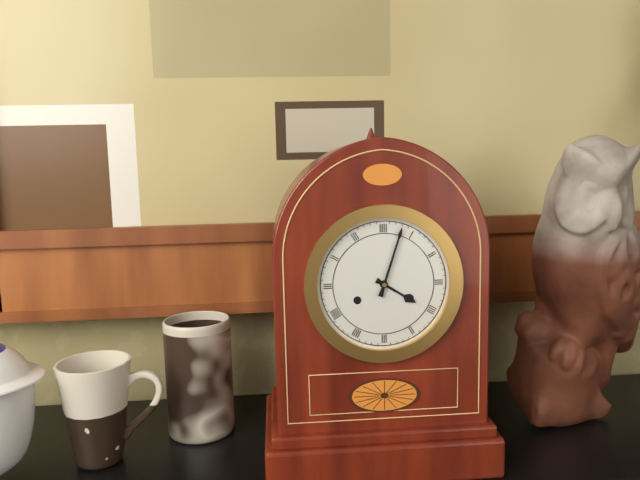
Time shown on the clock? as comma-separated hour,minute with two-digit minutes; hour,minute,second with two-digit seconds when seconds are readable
4,03
